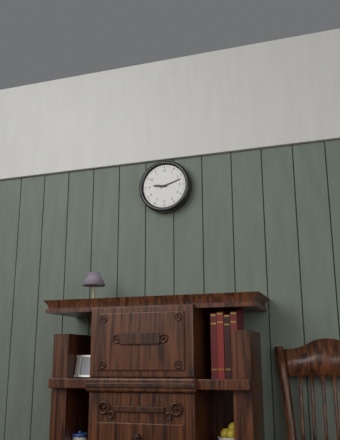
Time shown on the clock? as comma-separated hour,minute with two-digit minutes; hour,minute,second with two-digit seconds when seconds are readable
9,12
